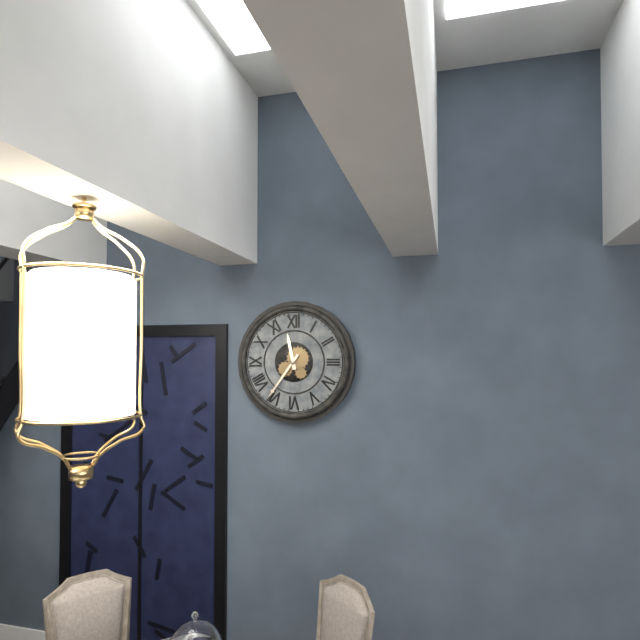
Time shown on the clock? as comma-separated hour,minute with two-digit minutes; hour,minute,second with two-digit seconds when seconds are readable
11,36
